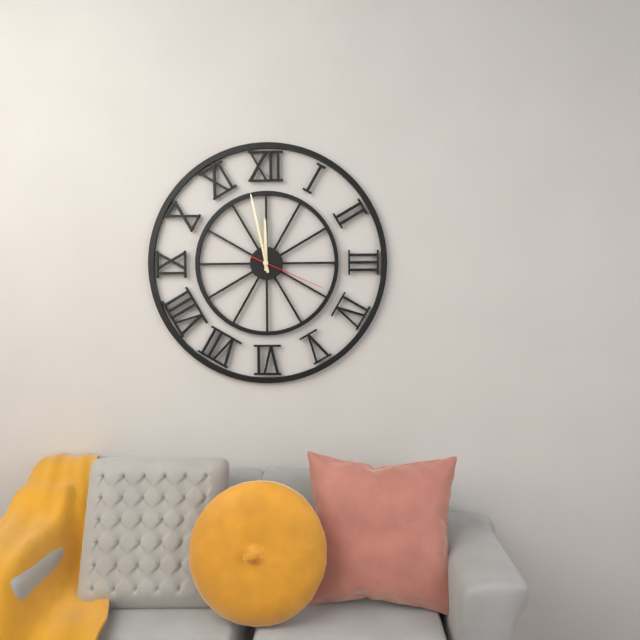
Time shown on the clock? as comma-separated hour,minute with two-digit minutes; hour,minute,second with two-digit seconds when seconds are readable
11,58,19
